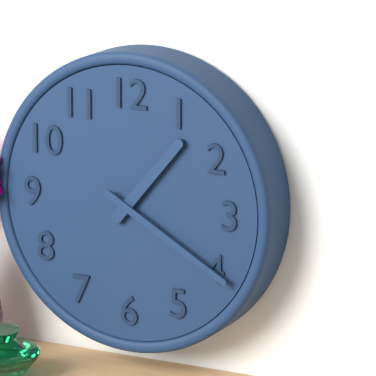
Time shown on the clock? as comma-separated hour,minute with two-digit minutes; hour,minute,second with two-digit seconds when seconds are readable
1,20
